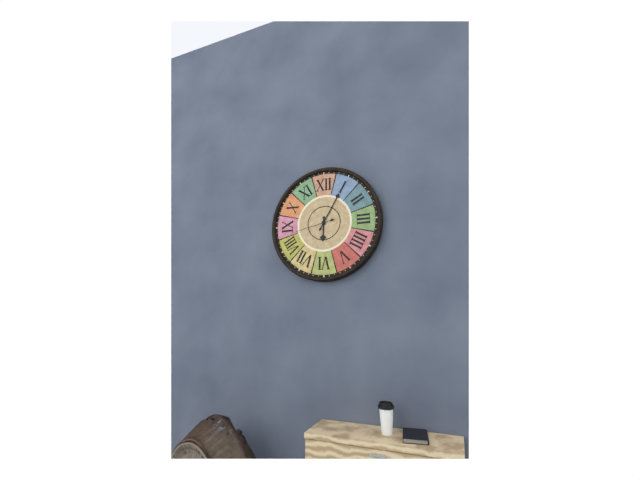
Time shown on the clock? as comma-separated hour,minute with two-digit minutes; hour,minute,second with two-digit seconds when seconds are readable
6,05
